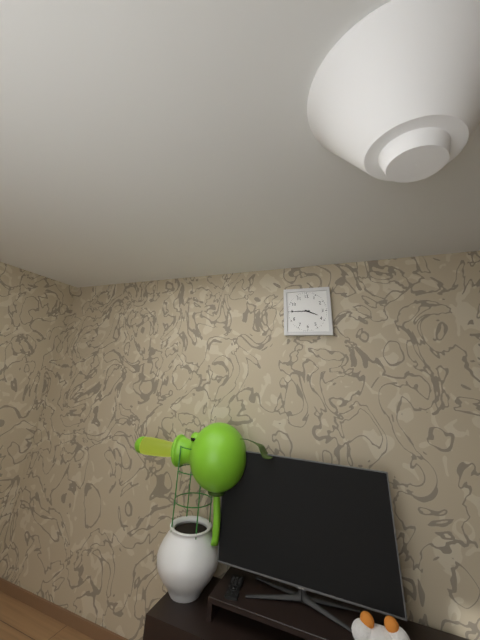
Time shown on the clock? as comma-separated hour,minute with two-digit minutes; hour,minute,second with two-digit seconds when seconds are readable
3,45
